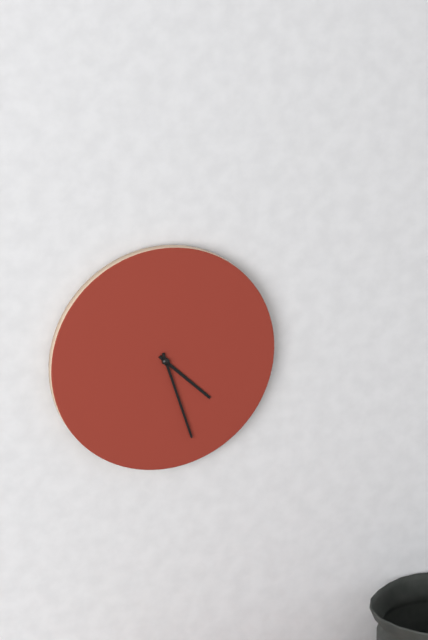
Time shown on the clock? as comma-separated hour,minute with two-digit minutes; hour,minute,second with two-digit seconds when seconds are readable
4,27
